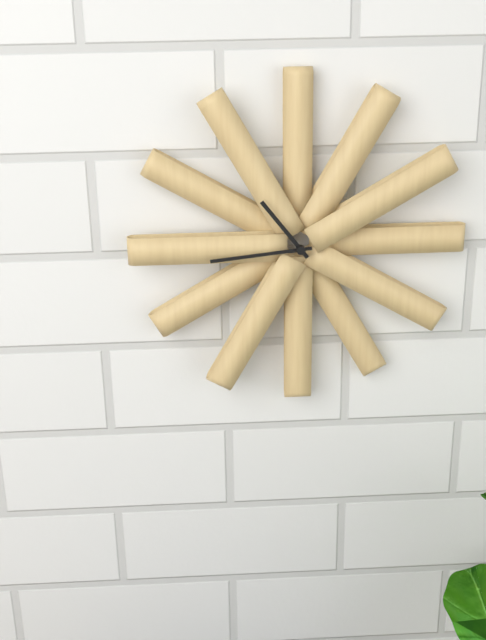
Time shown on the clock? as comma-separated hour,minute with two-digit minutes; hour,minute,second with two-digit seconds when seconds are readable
10,44
